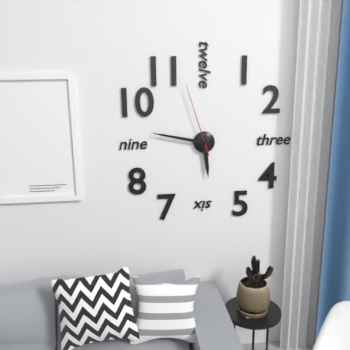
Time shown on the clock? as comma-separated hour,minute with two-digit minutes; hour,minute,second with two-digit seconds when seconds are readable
5,47,57
